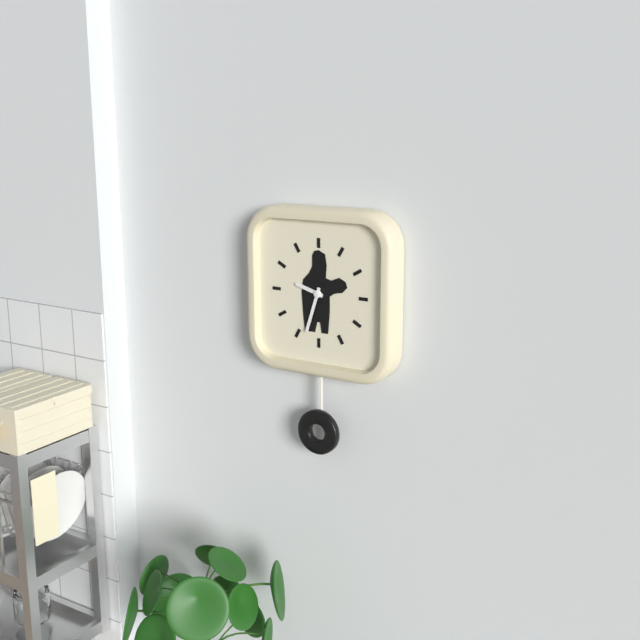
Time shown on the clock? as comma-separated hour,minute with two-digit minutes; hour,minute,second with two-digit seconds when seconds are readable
9,33
